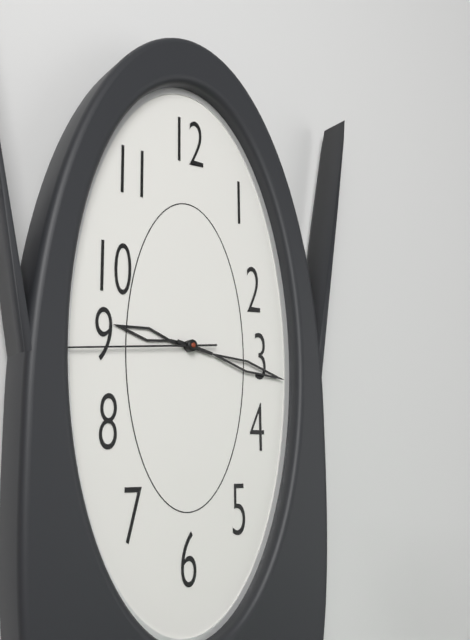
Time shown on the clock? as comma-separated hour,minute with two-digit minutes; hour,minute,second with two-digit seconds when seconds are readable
9,17,44
